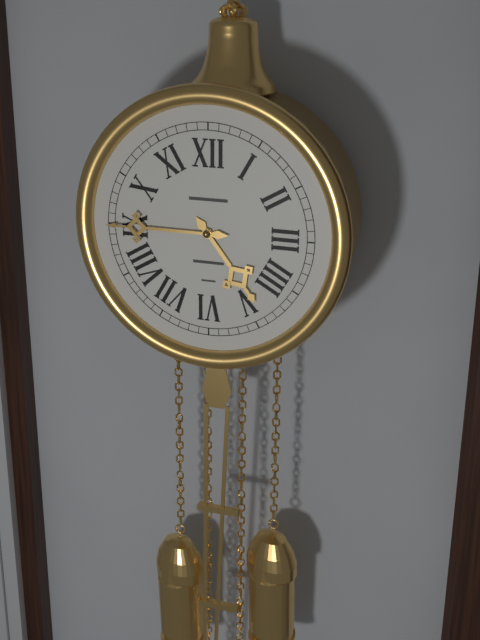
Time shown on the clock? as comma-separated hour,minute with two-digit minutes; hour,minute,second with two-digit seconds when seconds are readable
4,45
